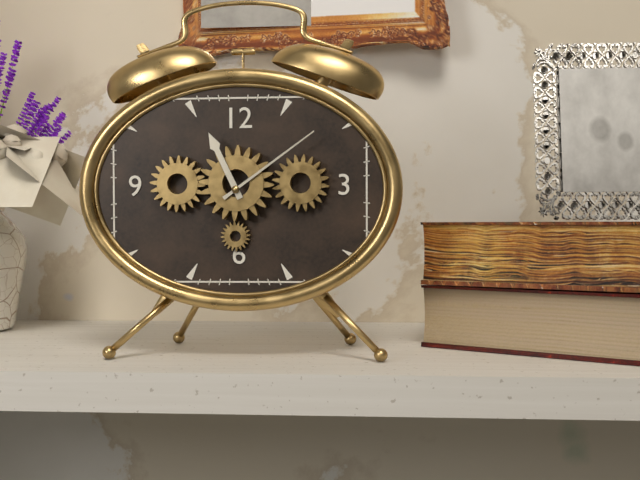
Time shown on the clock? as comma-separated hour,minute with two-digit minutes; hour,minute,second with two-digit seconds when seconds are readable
11,09
